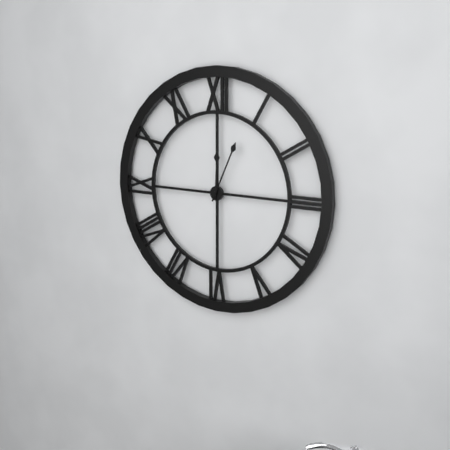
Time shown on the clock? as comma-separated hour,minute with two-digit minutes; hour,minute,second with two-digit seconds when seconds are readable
12,04
